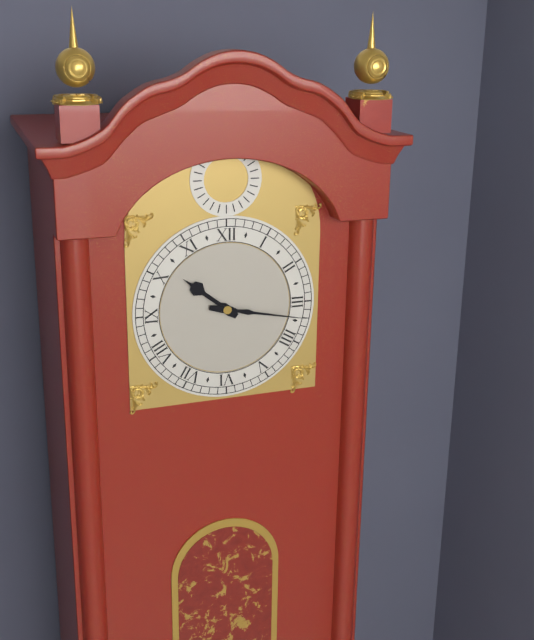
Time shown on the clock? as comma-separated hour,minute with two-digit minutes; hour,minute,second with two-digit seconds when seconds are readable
10,17
